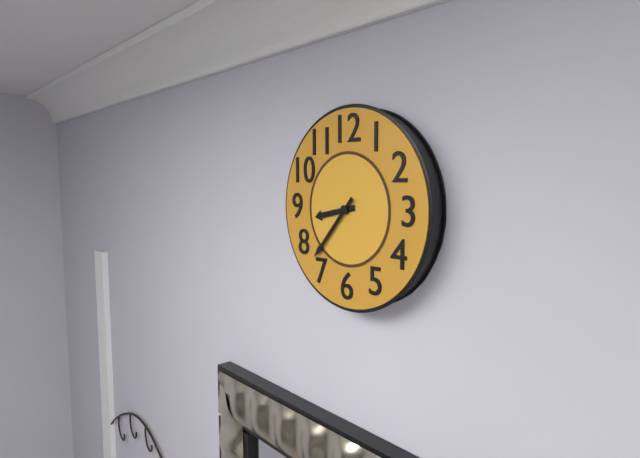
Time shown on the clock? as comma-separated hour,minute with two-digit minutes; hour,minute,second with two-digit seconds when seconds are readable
8,37
